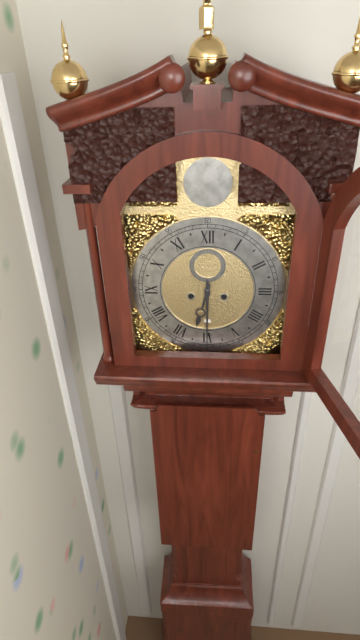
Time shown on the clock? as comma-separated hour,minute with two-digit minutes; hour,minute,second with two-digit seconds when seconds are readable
6,30
